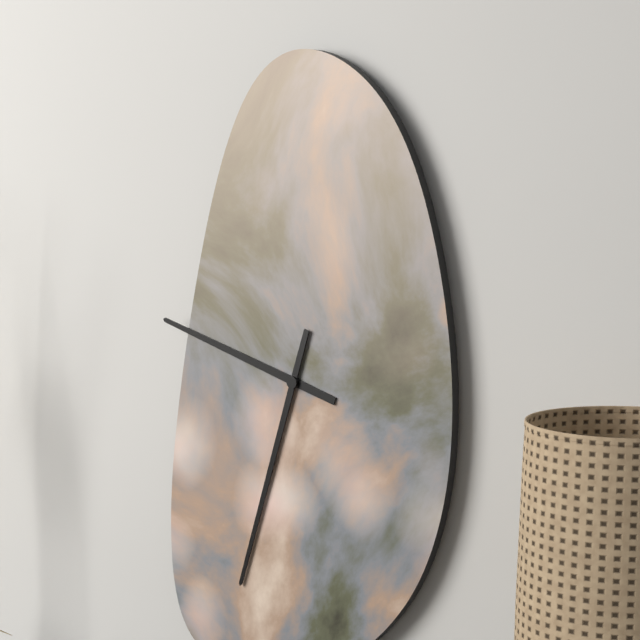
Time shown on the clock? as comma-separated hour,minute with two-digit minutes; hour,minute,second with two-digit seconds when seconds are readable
9,33
